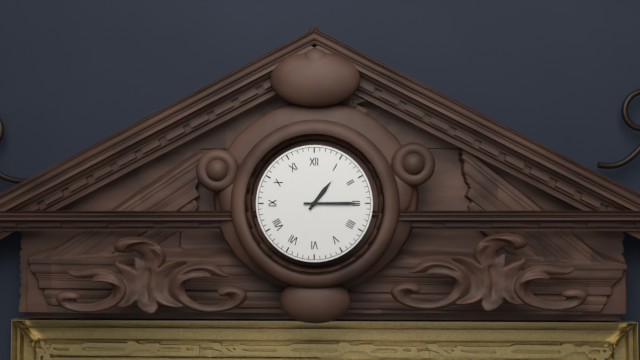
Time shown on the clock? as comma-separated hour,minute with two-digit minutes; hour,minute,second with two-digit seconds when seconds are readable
1,15
